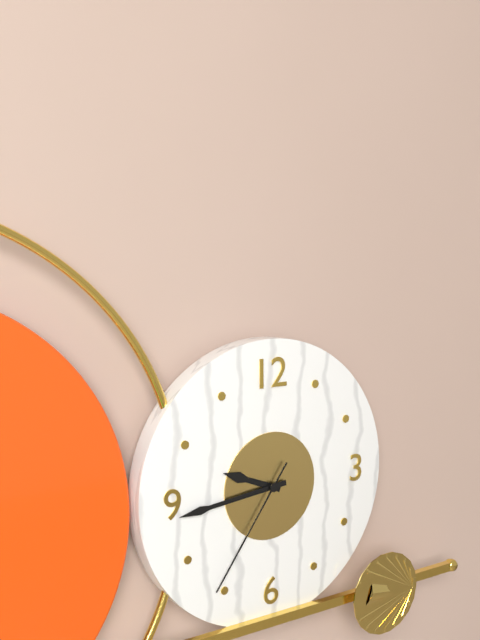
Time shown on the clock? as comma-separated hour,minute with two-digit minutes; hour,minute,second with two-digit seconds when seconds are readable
9,44,36
